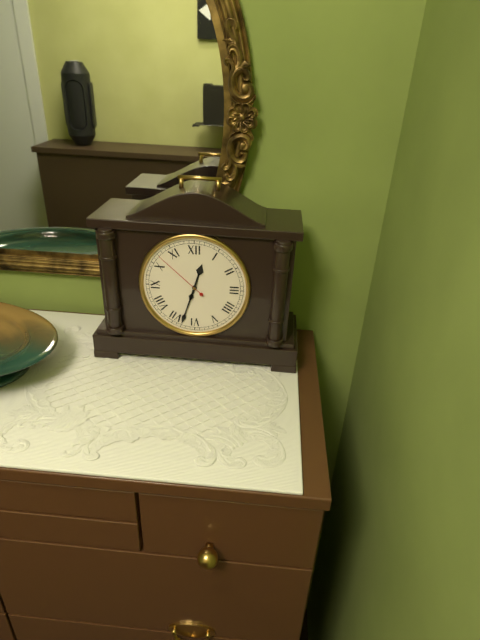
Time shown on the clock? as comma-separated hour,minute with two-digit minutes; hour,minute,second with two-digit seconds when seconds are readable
12,33,52
